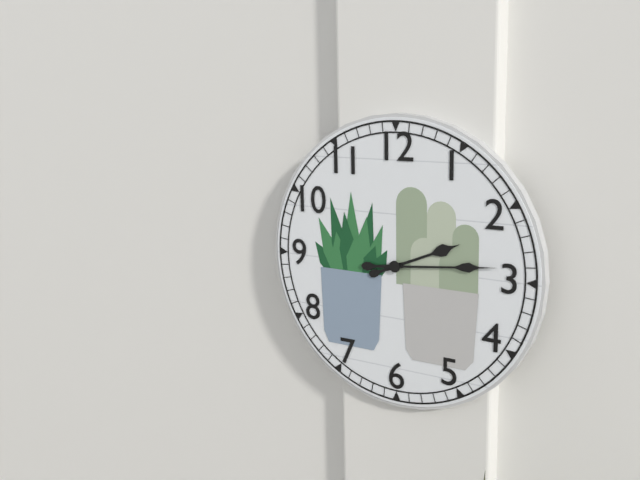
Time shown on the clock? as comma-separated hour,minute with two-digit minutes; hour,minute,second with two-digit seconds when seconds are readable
2,14
